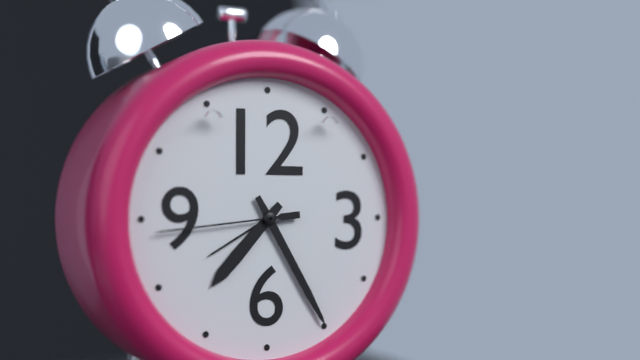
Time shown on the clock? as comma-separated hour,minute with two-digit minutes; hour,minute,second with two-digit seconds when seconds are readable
7,25,44
